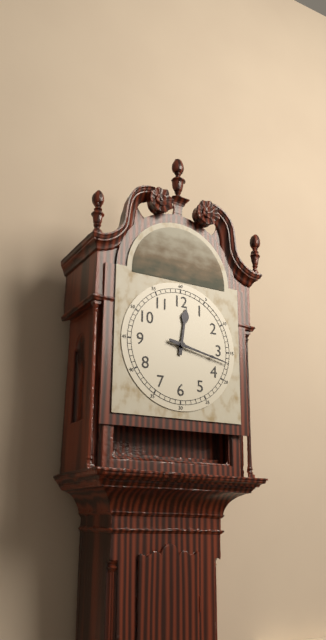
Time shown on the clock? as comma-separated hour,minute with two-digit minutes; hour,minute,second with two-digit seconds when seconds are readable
12,17
